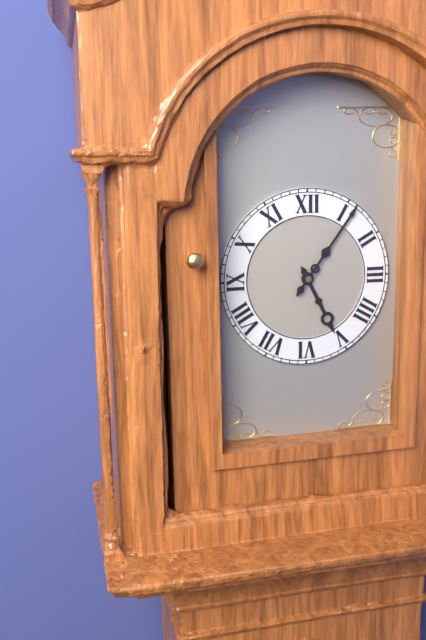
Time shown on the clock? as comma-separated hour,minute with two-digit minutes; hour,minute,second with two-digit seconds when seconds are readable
5,06
